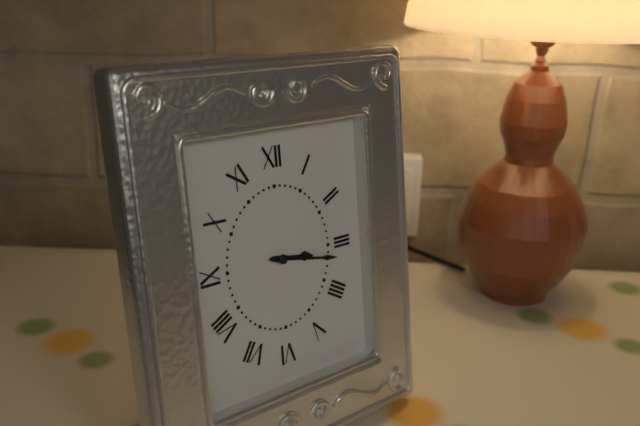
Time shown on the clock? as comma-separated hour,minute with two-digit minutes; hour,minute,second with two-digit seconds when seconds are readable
3,17
